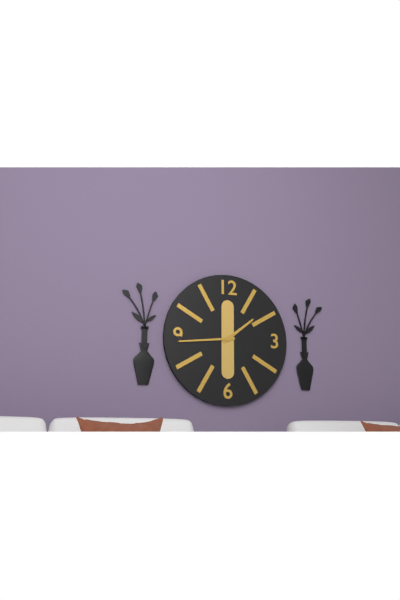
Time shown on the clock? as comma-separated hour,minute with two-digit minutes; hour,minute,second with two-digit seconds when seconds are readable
1,44
